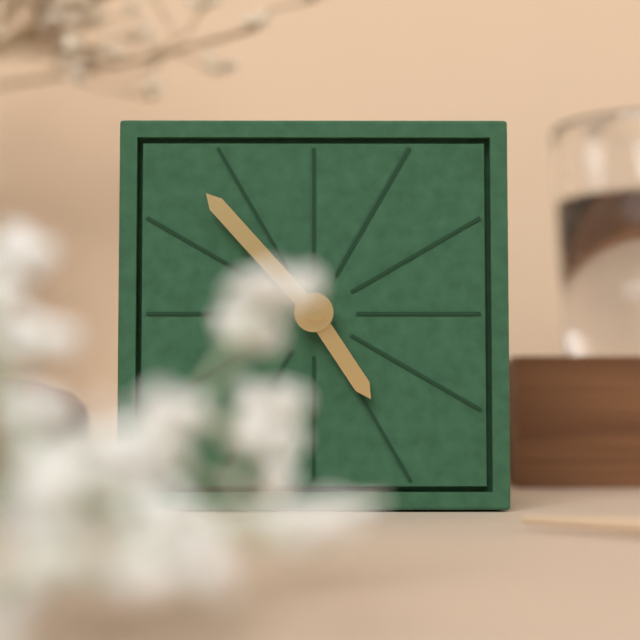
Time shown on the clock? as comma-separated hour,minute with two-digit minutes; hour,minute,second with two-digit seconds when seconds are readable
4,53
